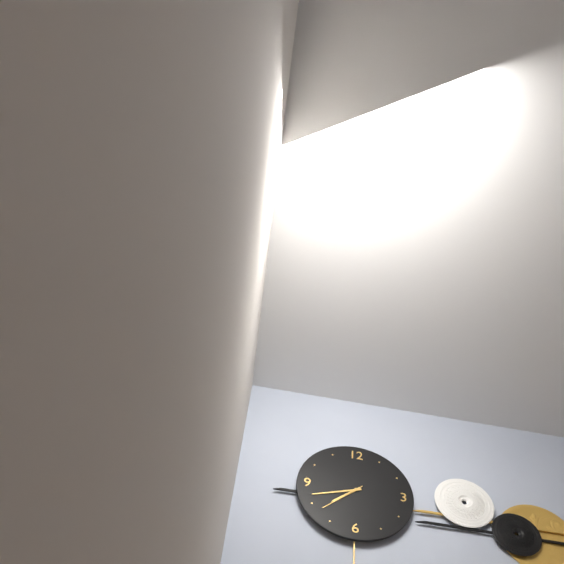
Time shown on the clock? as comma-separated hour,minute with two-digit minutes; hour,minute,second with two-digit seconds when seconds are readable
7,42
